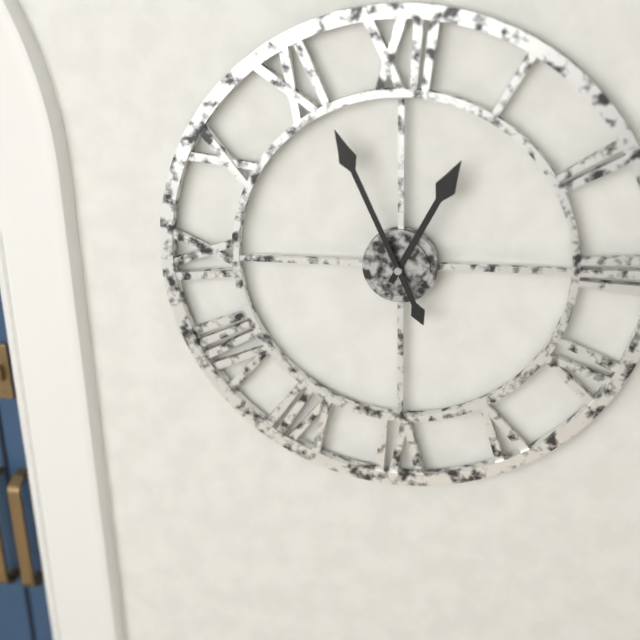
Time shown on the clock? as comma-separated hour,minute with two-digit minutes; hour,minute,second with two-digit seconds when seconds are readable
12,56
